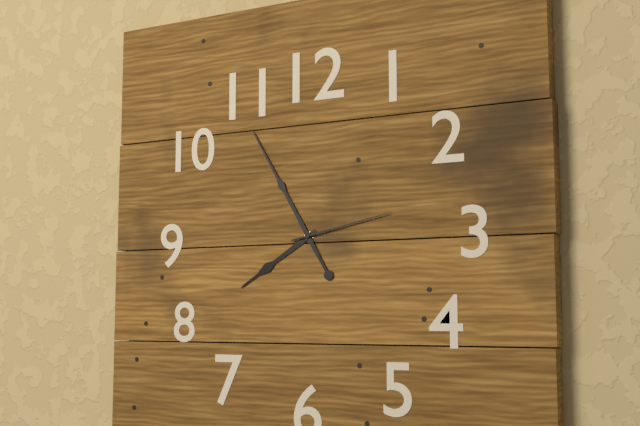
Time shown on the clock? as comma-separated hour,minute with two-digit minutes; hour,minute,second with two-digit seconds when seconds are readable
7,55,13
